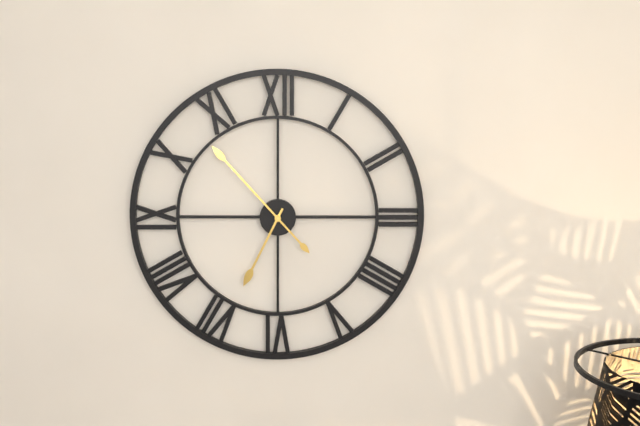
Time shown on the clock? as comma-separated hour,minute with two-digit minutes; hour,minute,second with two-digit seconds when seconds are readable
6,53
